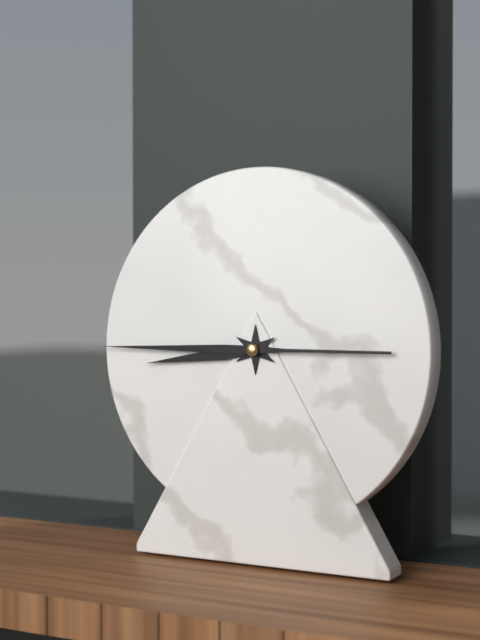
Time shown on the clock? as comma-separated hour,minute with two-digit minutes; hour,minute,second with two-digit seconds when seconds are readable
8,45
